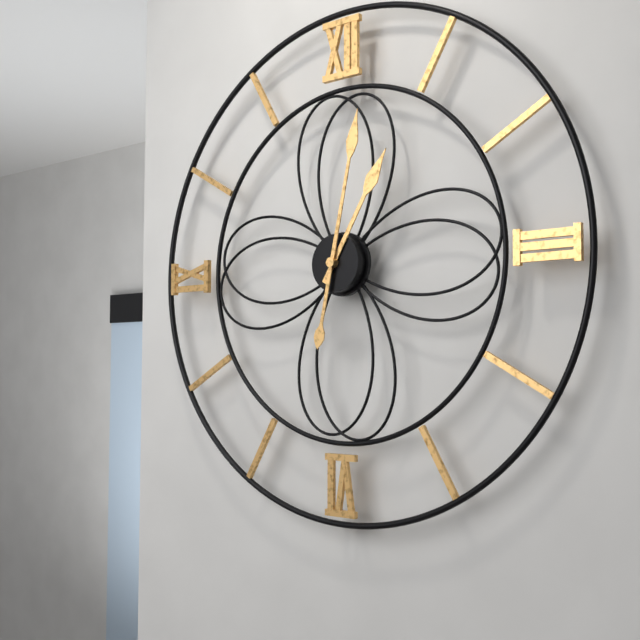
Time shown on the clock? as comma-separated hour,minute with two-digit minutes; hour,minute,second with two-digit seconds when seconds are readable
1,02
